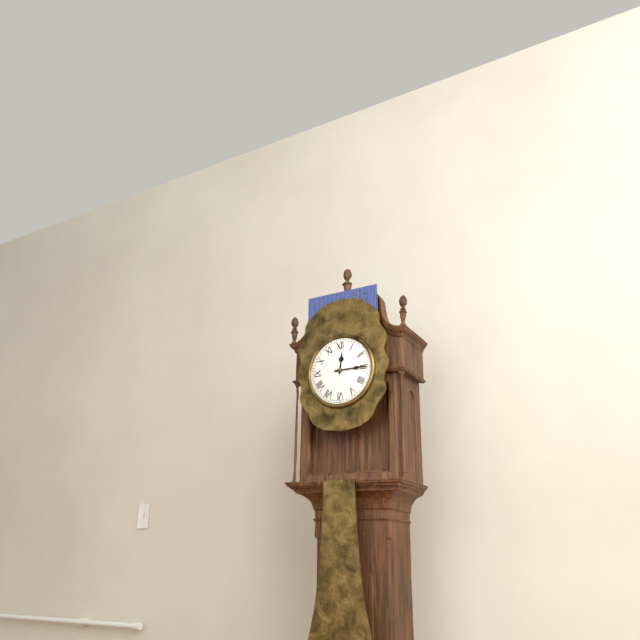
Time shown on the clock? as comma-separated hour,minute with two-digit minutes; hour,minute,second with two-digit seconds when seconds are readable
12,15
